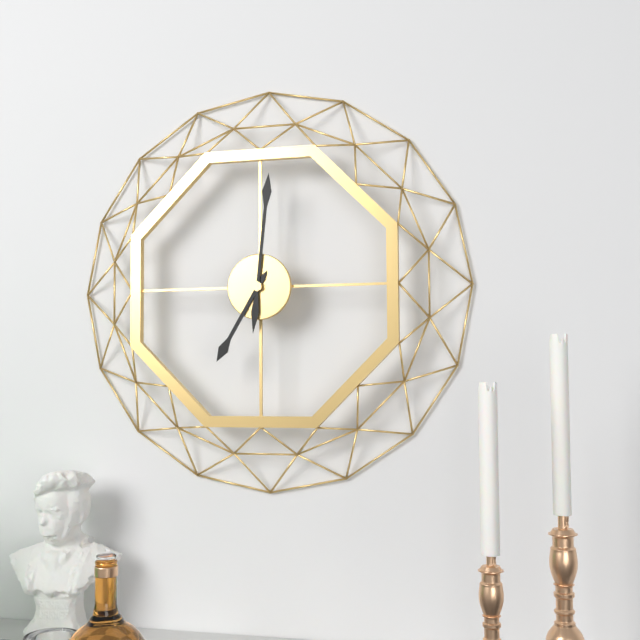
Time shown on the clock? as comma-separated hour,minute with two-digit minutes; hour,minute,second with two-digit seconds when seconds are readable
7,01
